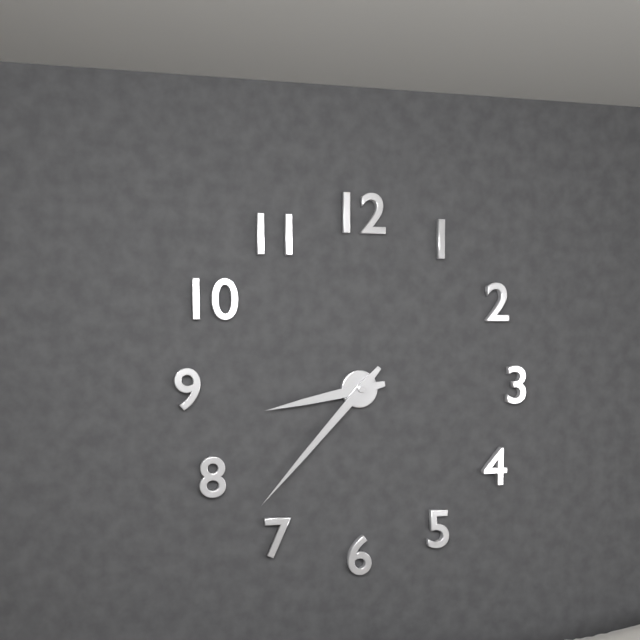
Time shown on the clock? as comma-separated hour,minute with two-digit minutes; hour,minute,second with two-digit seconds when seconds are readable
8,37
